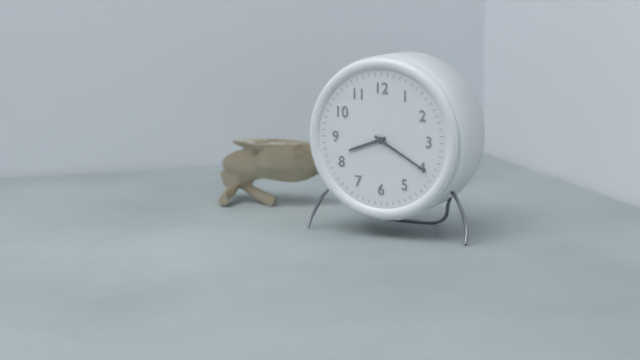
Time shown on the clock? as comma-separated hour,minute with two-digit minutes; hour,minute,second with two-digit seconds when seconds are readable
8,20
